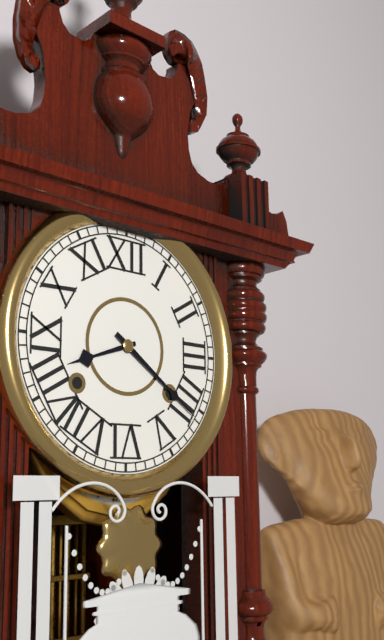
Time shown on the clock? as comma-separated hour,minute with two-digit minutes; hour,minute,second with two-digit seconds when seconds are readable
8,21
